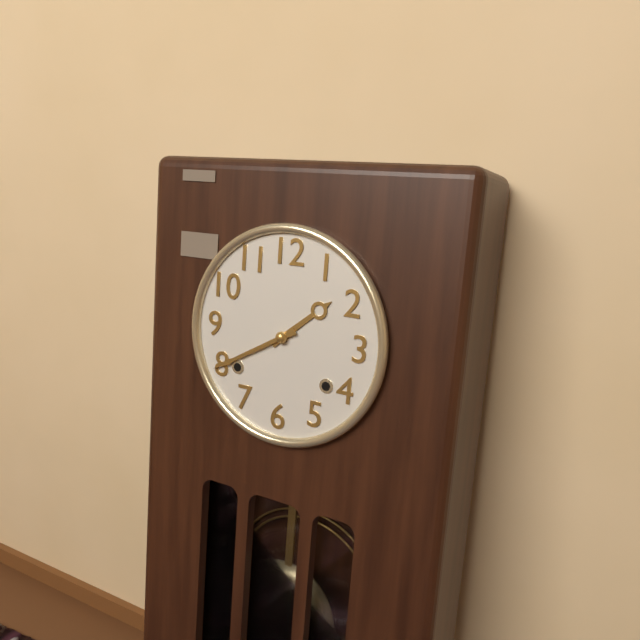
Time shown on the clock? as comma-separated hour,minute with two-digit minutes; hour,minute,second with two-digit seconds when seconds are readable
1,40
